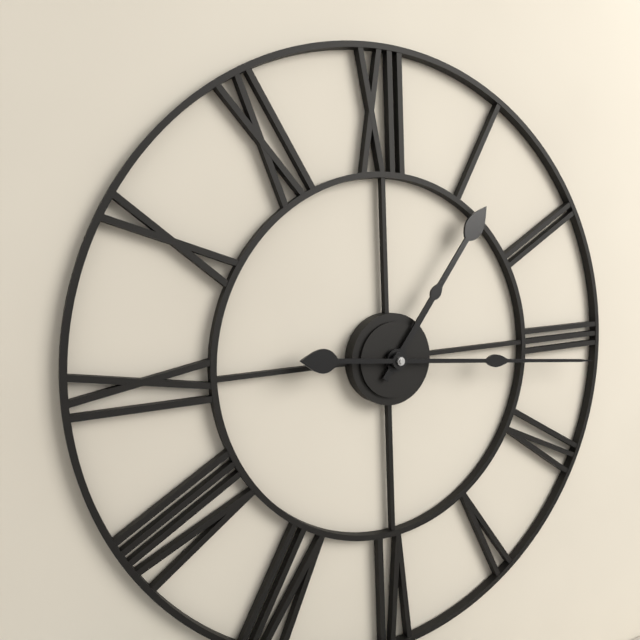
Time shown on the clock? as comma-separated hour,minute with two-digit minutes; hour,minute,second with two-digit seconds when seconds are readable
1,16
